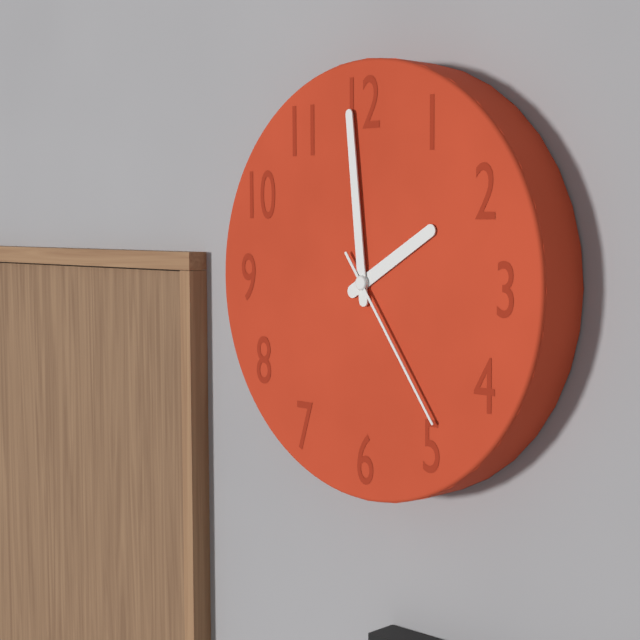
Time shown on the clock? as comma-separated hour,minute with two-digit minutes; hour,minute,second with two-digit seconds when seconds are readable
1,59,24
